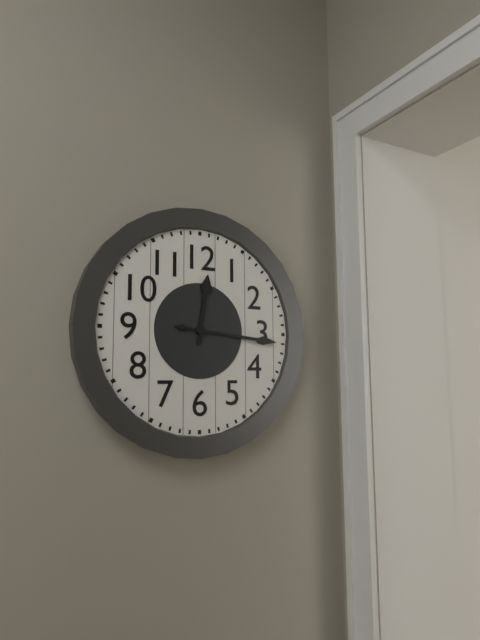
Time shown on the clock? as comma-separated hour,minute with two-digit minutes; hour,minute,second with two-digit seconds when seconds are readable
12,16
